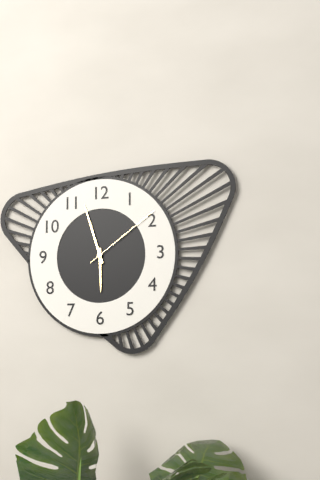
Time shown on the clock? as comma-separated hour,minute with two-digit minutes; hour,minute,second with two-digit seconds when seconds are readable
5,57,09
